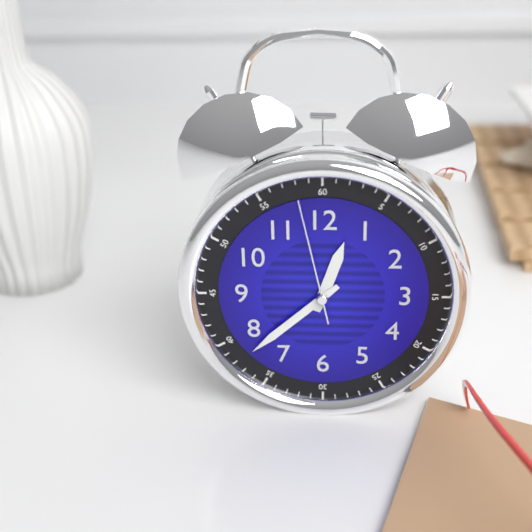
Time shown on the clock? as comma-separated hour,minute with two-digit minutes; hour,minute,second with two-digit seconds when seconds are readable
12,38,58
